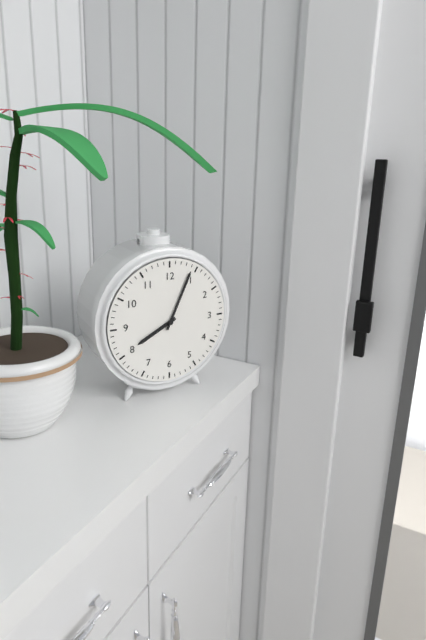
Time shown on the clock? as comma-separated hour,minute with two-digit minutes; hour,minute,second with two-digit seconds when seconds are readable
8,04
